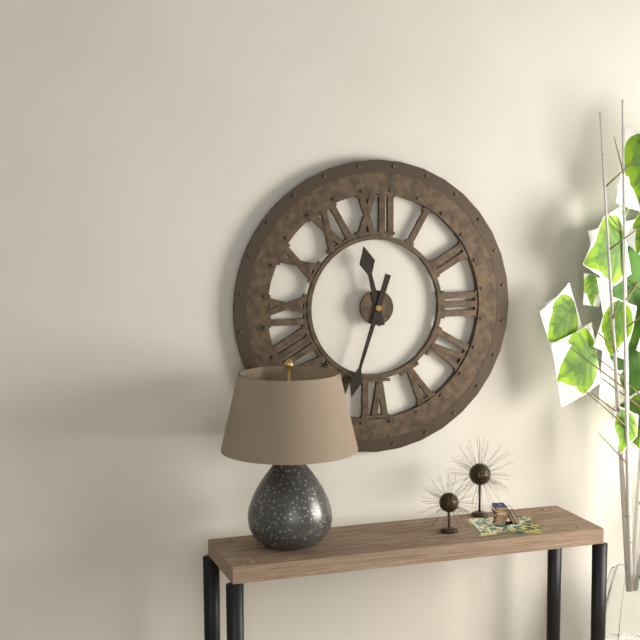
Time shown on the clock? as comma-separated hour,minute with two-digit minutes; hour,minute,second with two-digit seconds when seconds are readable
11,33
